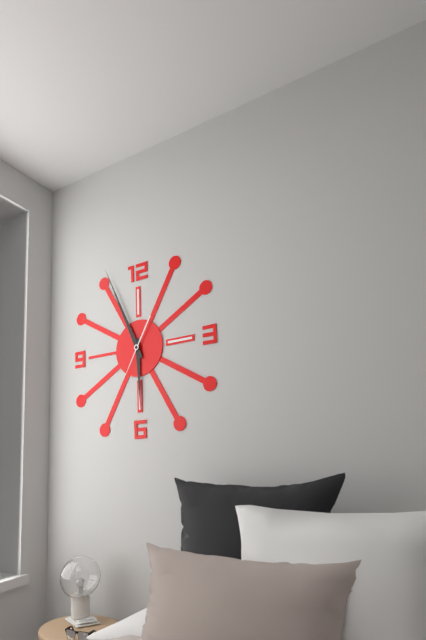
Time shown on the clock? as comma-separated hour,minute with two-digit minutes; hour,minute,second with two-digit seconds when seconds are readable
5,56,35
